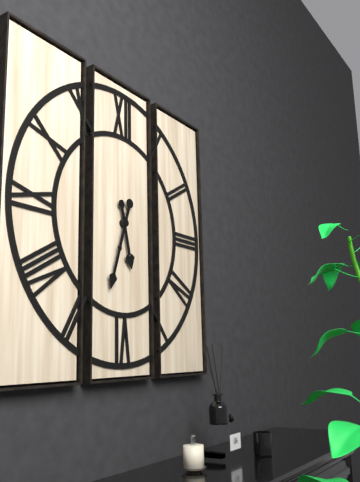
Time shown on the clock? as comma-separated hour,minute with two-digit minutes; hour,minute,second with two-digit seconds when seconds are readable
5,33
